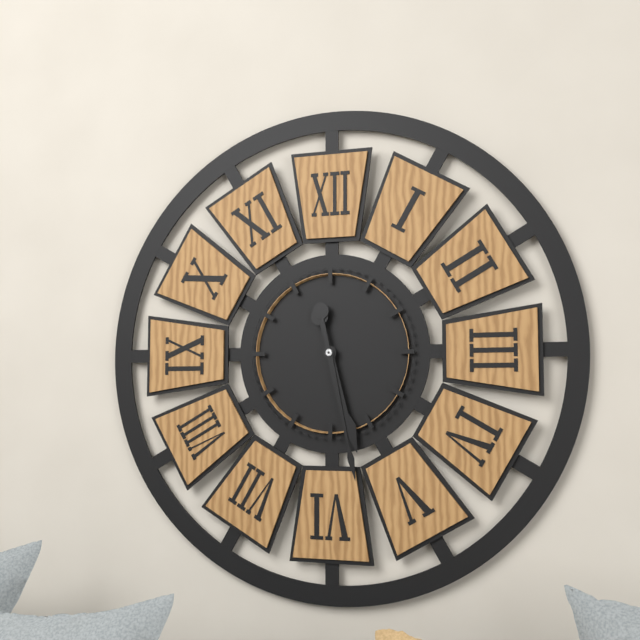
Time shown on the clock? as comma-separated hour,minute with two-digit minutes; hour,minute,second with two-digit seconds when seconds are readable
5,28
